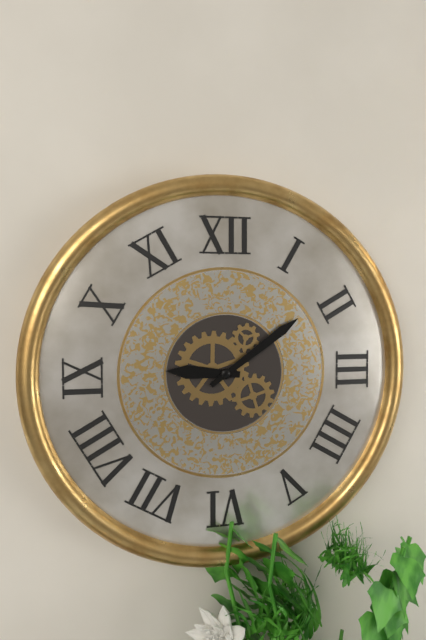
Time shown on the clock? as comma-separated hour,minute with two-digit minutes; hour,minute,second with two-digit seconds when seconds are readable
9,09
